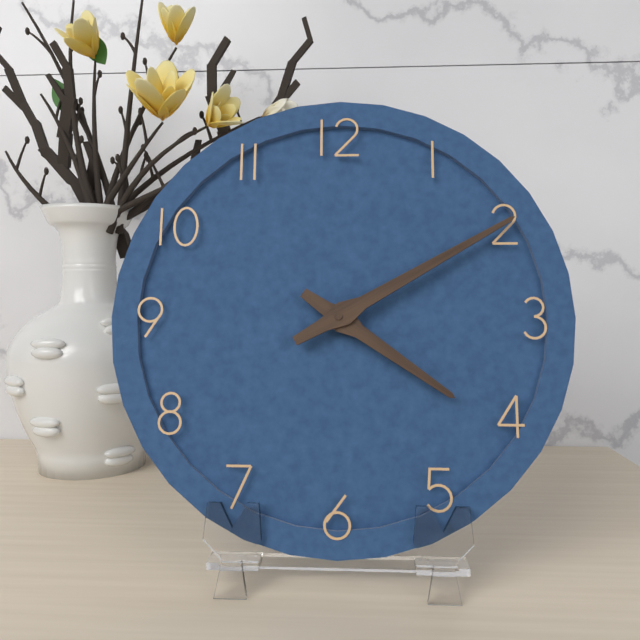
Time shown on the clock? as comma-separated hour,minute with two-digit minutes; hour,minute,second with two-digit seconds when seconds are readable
4,10
